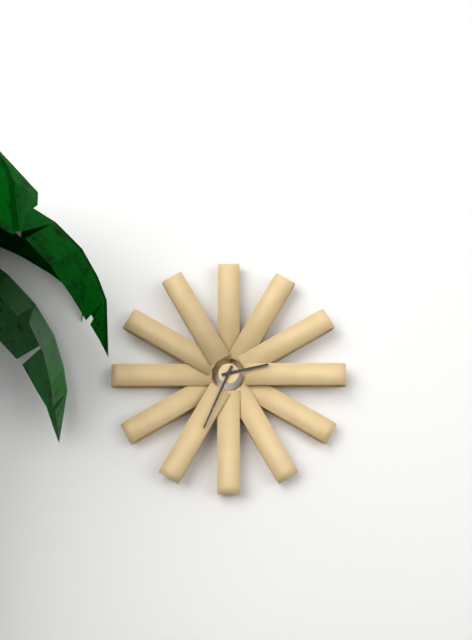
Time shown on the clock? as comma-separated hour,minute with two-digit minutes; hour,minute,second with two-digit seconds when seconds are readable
2,34
